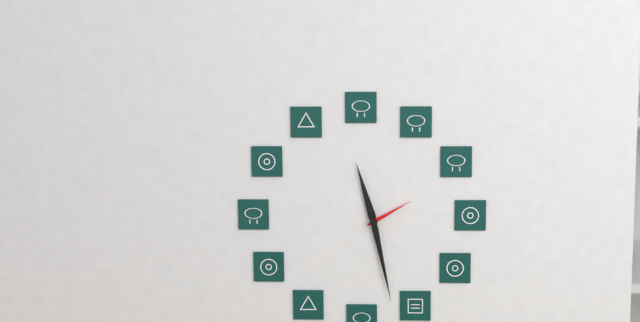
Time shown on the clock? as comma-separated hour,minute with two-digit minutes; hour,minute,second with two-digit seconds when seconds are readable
11,28,10
